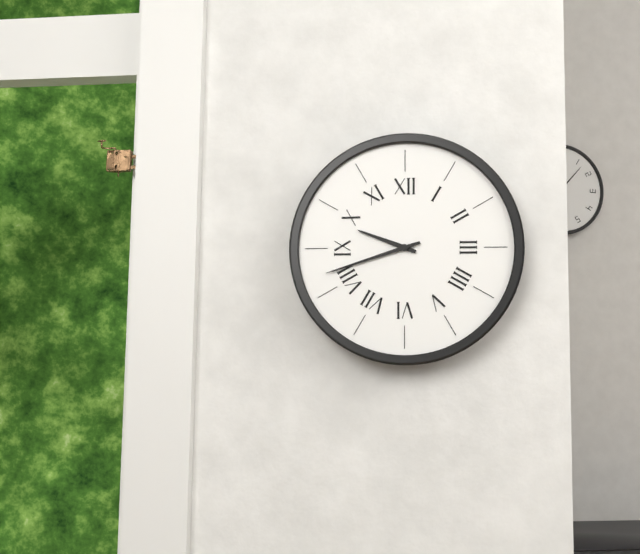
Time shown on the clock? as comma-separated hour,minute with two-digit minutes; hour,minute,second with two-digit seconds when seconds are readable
9,42
